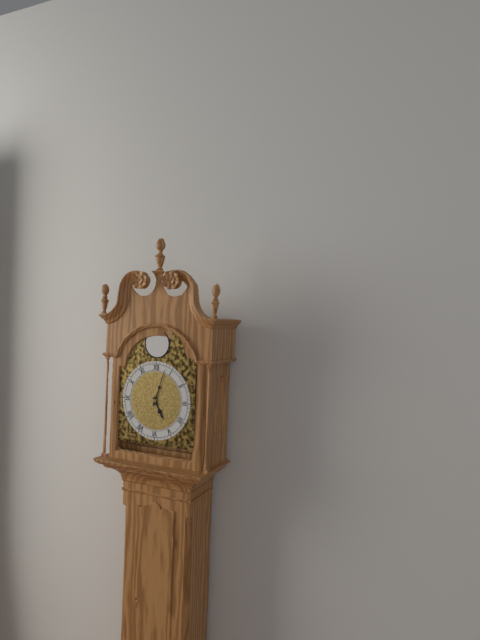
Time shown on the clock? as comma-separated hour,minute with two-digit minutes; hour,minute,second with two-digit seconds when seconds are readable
5,03
